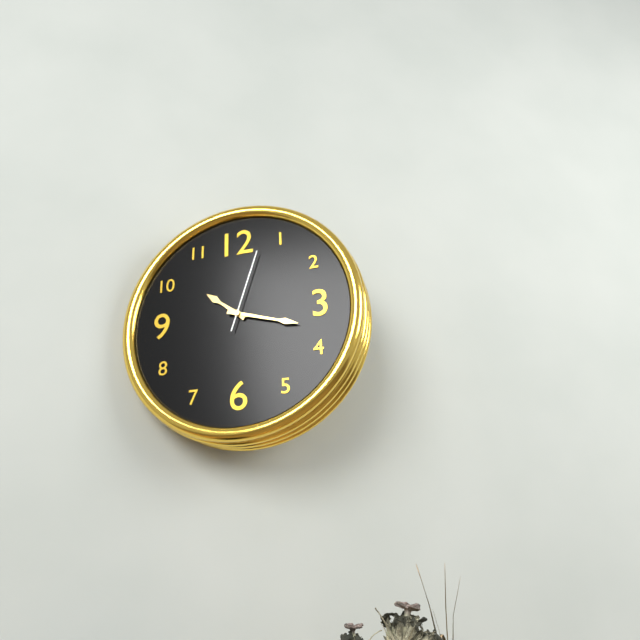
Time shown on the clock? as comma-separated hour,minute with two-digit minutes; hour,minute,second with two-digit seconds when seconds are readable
10,18,03
